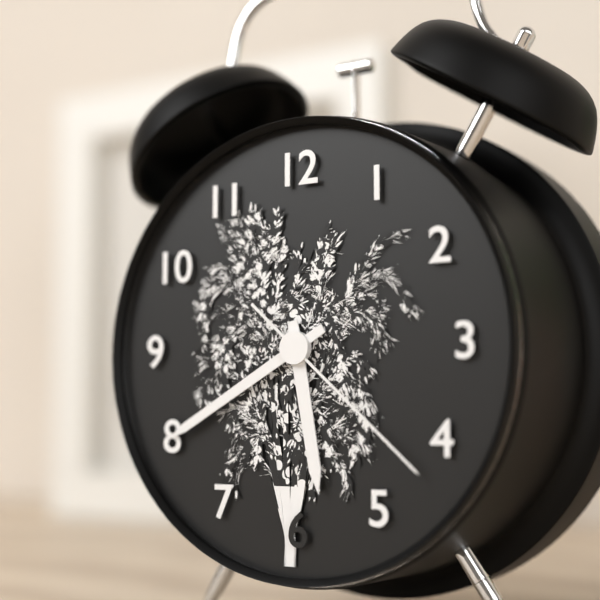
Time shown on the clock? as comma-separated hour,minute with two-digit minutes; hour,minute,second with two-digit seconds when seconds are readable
5,40,22
